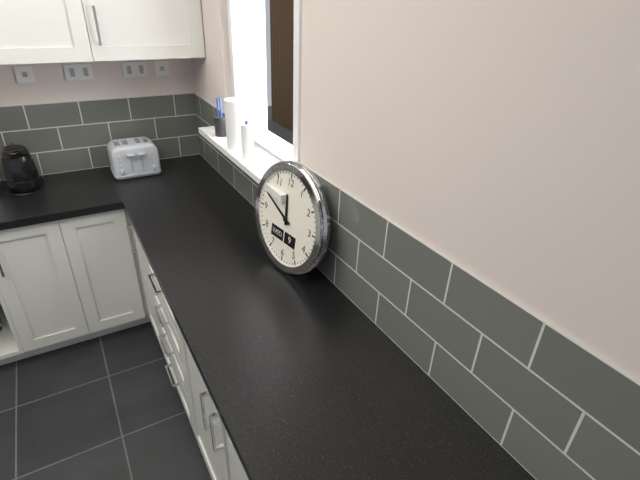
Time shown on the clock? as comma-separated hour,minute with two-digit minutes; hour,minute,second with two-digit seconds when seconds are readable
11,49
